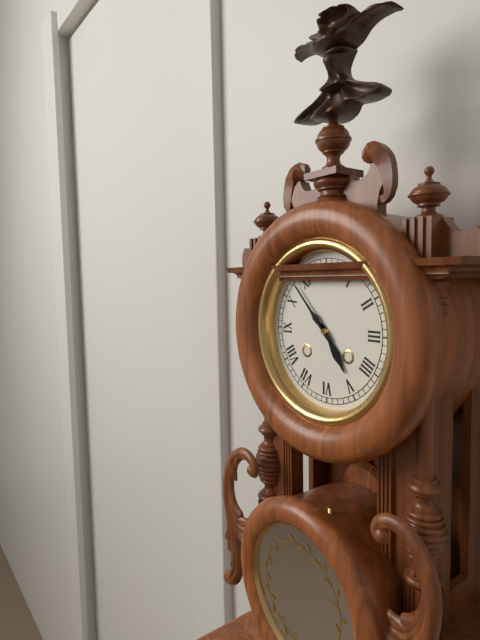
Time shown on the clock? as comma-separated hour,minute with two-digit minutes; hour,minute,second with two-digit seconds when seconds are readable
4,53
